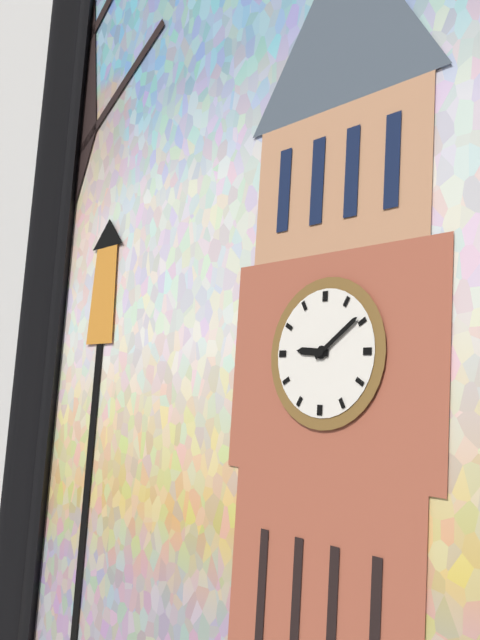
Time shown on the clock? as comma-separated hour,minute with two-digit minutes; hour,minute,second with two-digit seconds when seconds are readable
9,09
